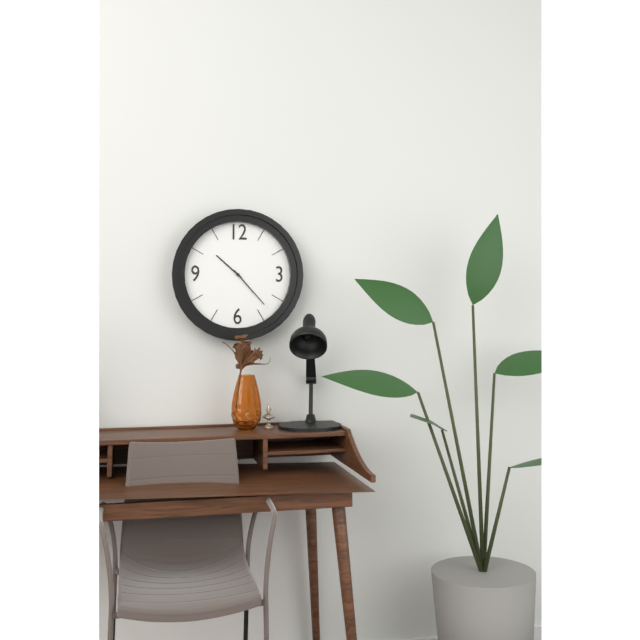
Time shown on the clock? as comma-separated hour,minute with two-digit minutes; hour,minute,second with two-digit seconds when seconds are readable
10,23
